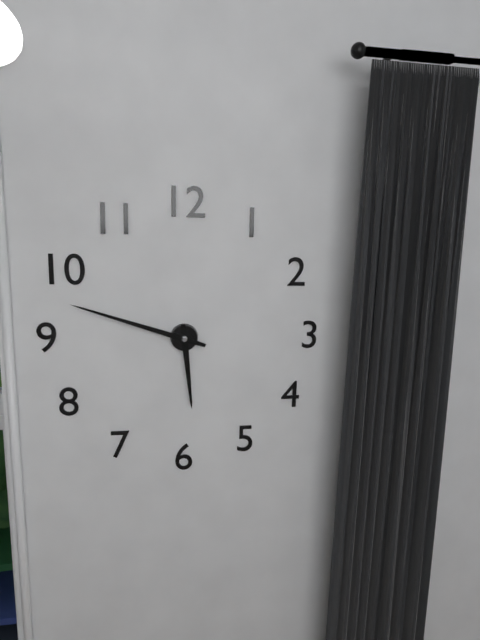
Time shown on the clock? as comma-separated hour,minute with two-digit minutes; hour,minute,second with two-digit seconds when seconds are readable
5,48
